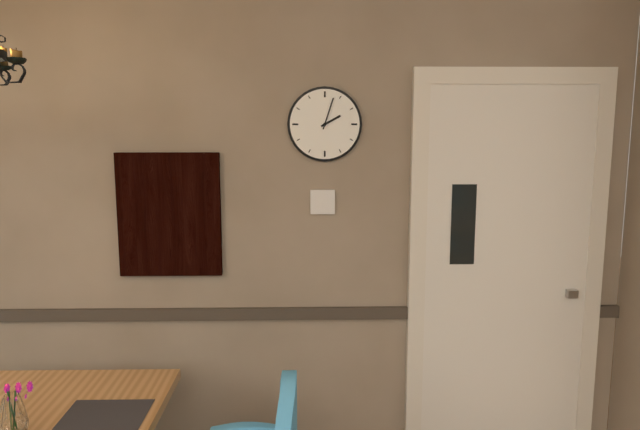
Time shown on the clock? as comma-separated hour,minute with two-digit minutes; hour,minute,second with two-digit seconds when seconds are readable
2,03
